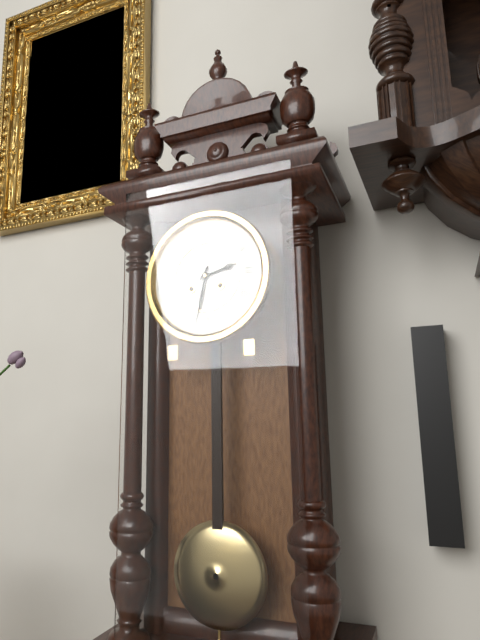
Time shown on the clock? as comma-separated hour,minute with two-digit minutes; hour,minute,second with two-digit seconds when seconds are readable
2,32
